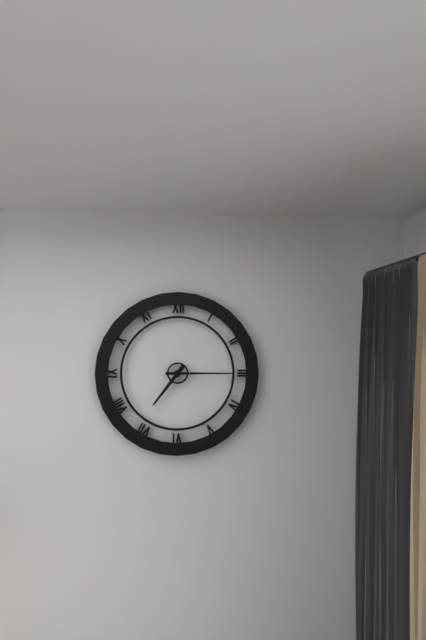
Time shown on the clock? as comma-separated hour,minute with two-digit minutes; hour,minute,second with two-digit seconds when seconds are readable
7,15
